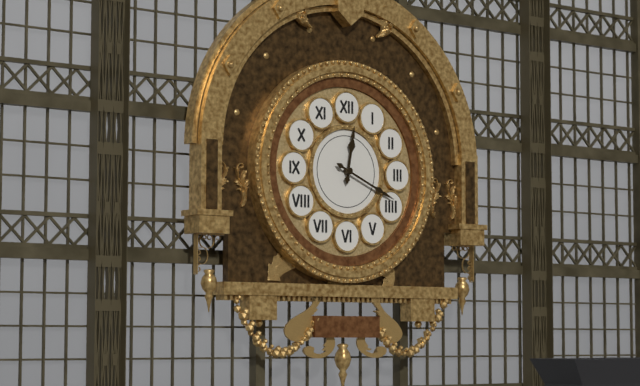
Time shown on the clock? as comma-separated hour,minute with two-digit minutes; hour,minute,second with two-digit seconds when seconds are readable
12,19
